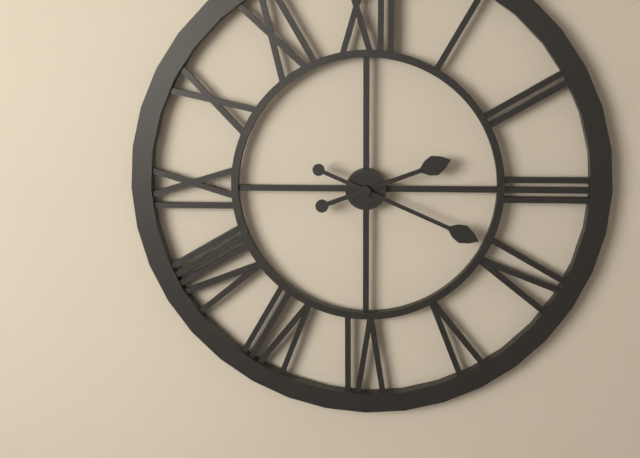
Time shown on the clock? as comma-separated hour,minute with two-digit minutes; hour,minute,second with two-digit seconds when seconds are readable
2,19
